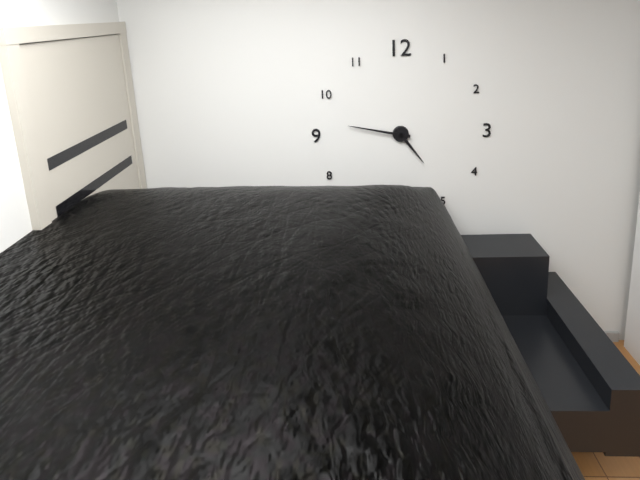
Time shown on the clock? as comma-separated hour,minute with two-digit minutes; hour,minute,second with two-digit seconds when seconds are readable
4,47
